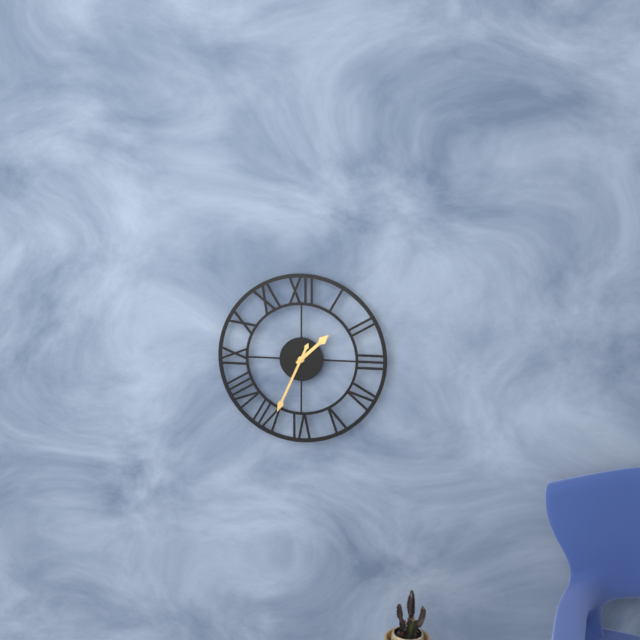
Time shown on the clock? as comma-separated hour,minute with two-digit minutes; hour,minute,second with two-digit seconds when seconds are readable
1,34
